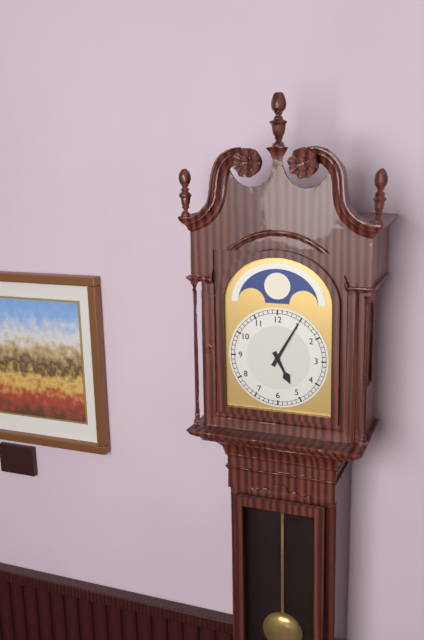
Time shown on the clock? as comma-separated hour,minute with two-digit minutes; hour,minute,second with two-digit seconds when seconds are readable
5,05
